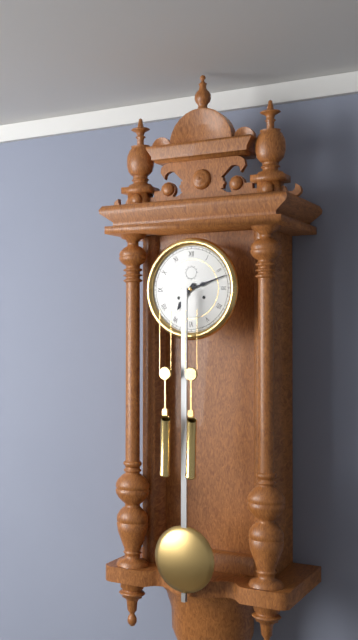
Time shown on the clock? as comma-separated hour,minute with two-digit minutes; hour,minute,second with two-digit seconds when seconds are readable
7,12
